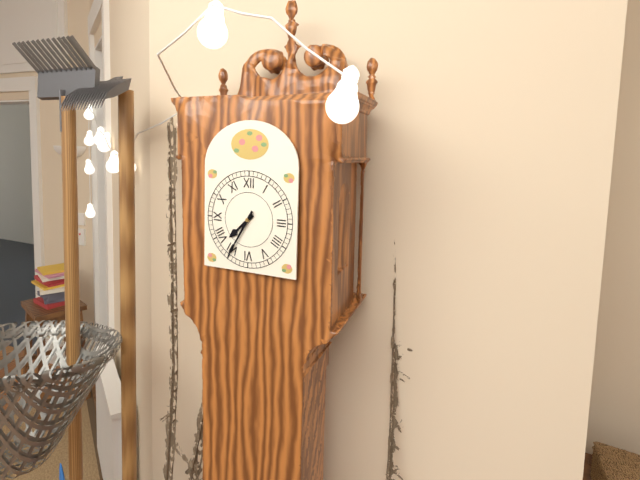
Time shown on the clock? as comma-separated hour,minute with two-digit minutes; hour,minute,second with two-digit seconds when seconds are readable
7,35
